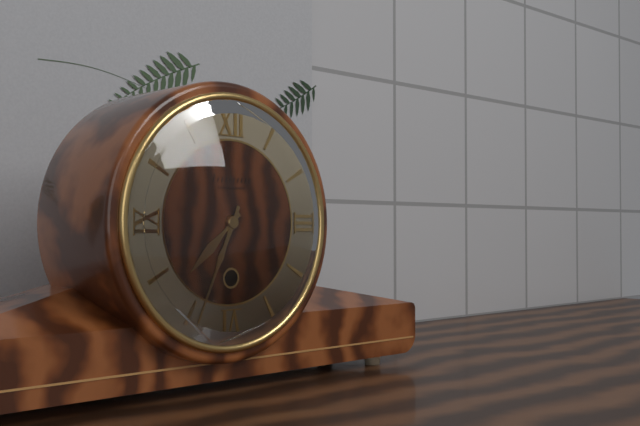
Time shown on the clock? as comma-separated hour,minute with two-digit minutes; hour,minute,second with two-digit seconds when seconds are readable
7,34
